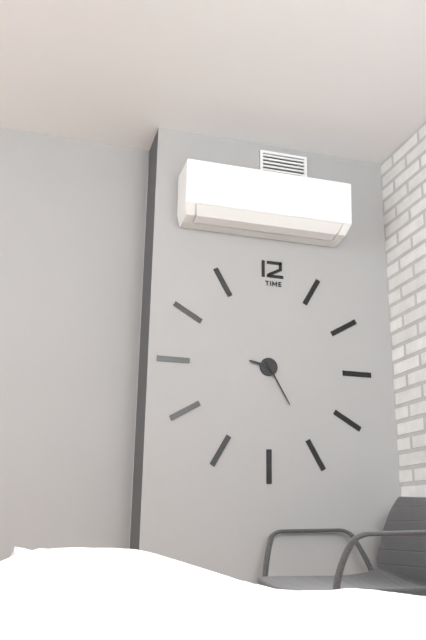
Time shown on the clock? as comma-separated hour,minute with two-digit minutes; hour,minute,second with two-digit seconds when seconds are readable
9,25
